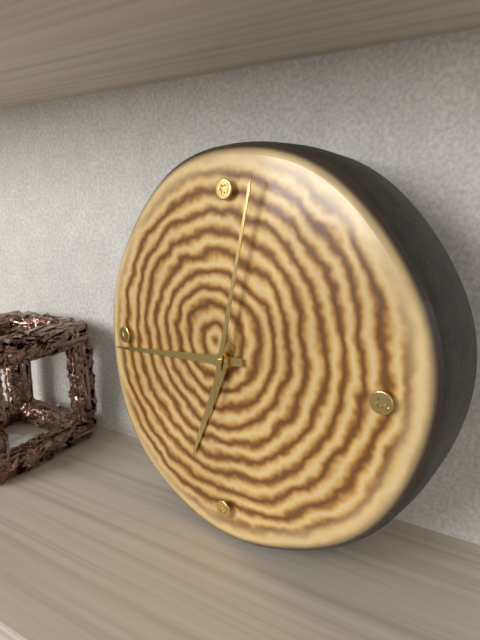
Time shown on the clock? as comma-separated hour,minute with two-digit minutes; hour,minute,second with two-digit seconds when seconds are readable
6,44,02
